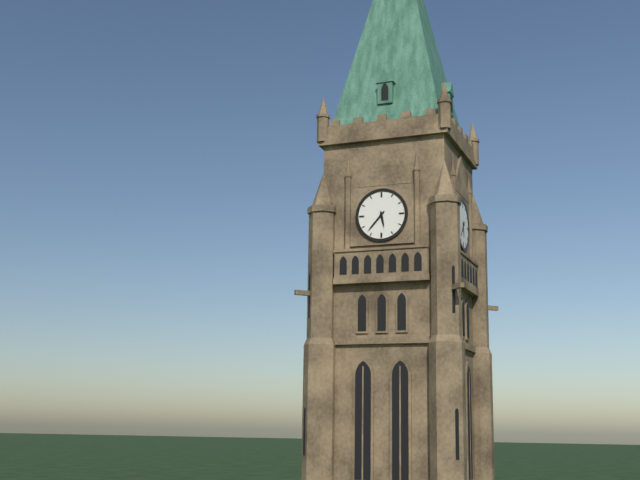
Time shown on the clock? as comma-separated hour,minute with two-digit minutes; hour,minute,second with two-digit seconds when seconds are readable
5,37
